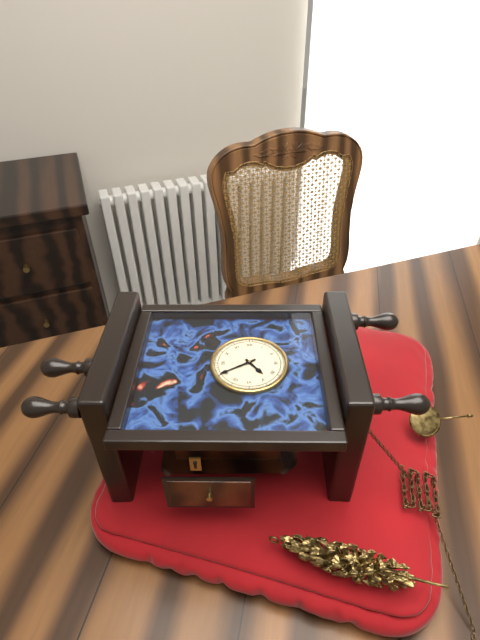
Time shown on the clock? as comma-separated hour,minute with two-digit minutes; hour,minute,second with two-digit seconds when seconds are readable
4,40
